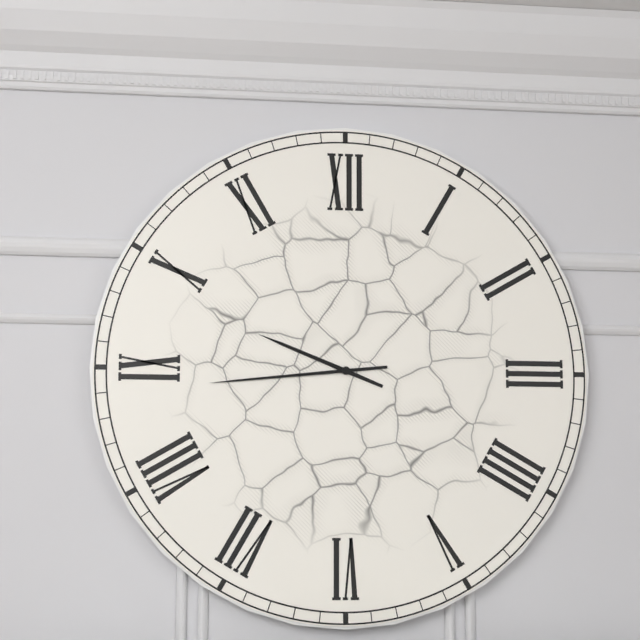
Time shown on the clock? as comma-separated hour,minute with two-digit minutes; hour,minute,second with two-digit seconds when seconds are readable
9,44
